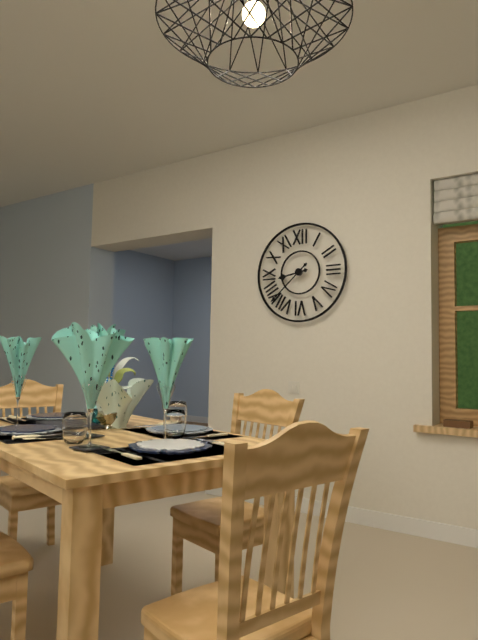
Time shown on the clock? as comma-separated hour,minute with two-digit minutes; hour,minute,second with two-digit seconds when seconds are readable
8,38
